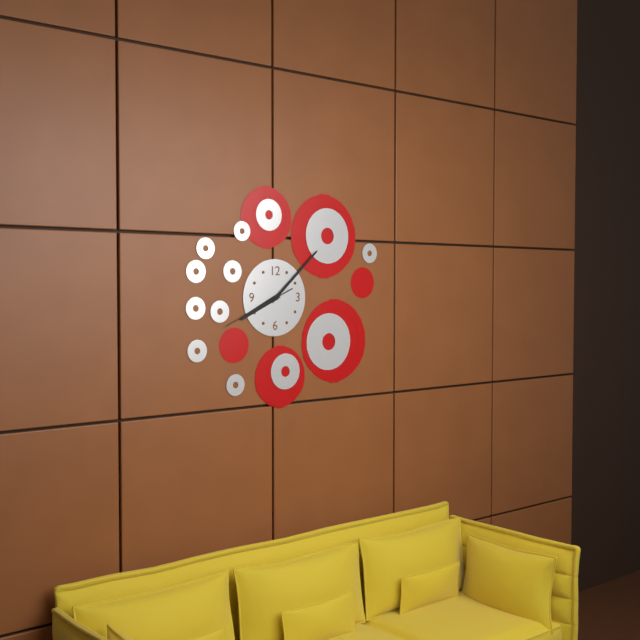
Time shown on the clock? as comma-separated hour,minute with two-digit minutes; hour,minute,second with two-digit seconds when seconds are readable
8,08,41
